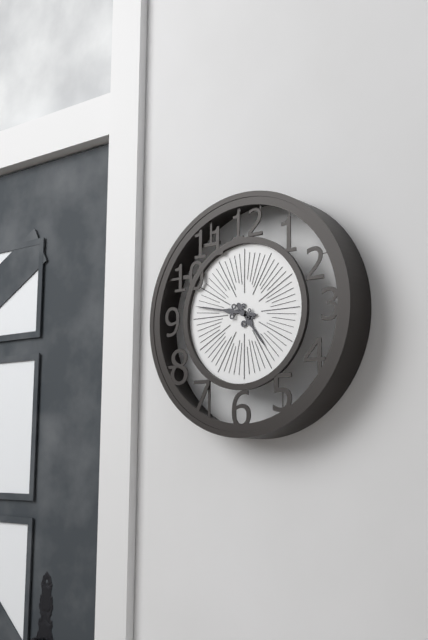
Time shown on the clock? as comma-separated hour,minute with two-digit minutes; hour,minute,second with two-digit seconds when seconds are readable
4,47
